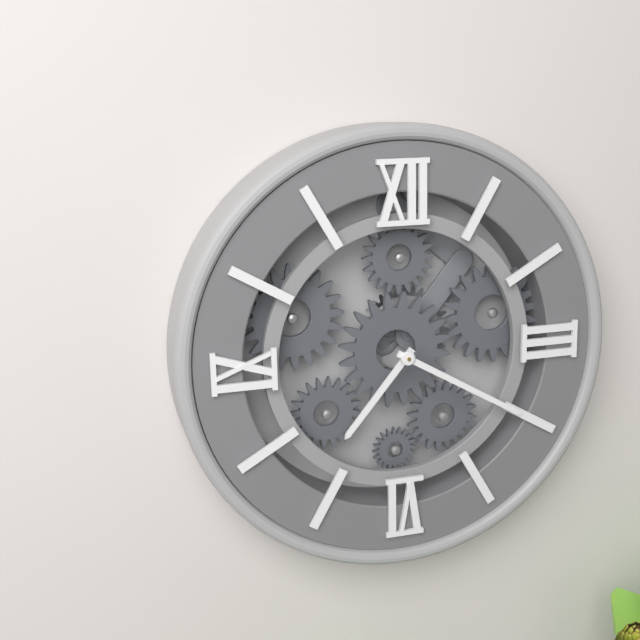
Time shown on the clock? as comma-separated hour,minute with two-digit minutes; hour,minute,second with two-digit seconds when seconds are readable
7,20
